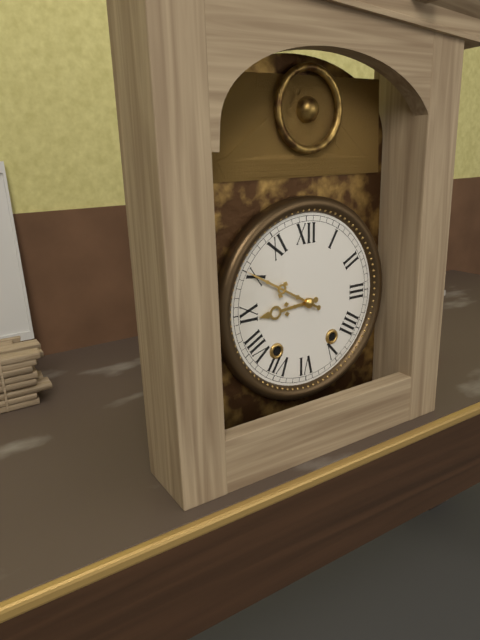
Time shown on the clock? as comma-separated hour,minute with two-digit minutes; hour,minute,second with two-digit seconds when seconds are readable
8,50
